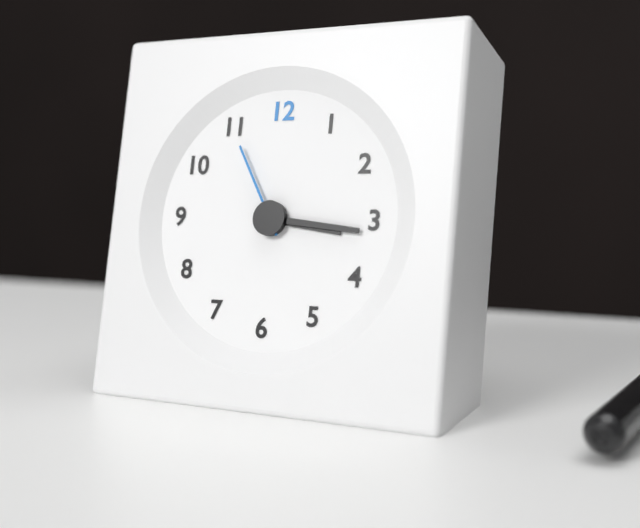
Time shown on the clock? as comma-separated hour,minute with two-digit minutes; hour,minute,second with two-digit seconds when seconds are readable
3,16,55
